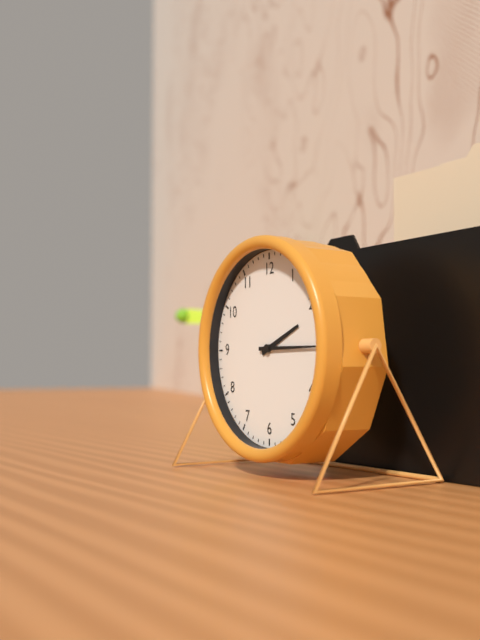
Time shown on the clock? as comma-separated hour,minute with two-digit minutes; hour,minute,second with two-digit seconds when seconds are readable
2,15
